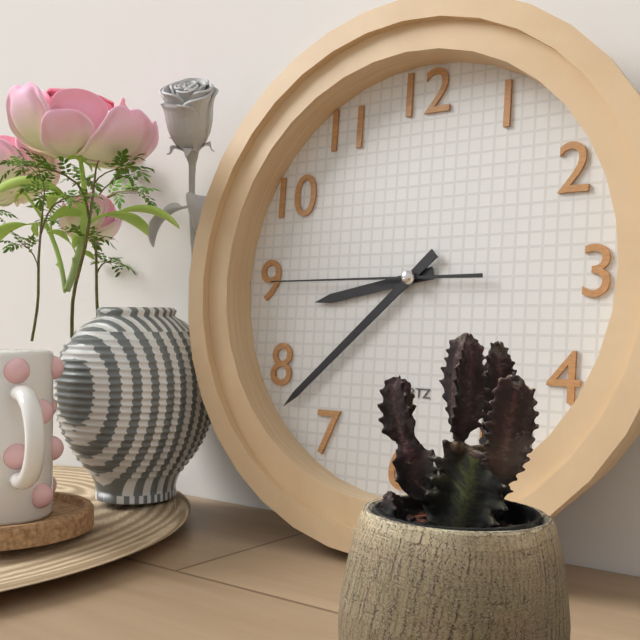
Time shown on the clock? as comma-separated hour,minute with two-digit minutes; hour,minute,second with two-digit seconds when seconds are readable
8,38,45
